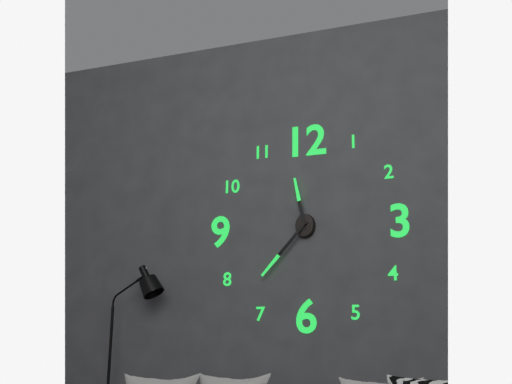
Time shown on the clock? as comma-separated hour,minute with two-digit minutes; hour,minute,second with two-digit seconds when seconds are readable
11,37
